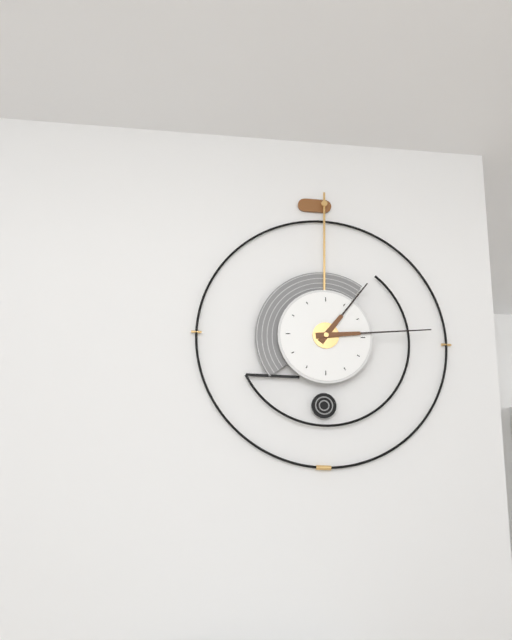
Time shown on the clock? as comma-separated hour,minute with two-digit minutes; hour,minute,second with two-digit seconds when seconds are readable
1,14
